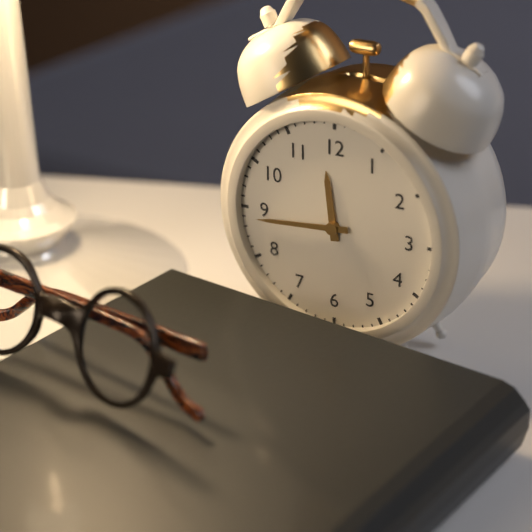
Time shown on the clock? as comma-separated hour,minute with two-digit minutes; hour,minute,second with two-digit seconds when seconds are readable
11,44
